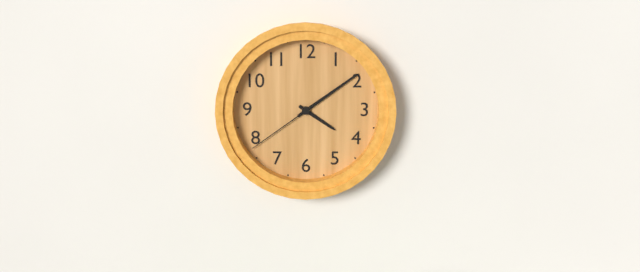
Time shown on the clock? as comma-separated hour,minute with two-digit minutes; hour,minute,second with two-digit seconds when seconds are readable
4,09,39
